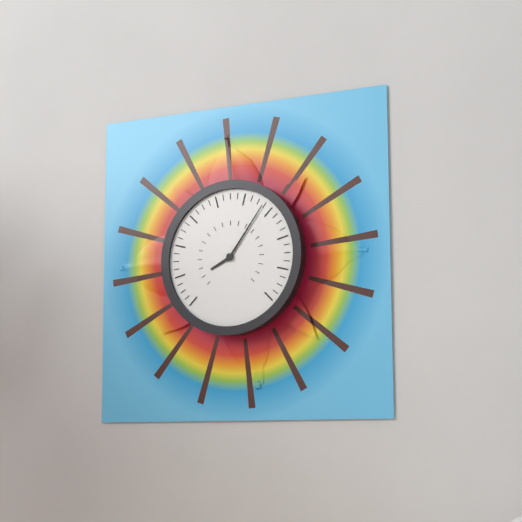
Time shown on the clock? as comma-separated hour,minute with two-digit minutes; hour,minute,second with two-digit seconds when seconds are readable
8,06
